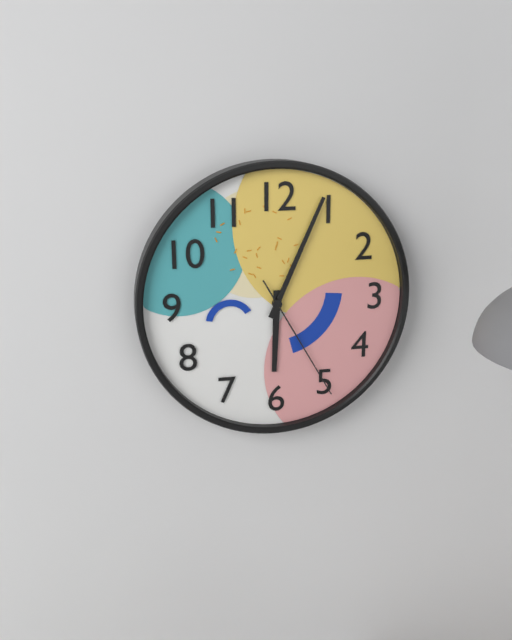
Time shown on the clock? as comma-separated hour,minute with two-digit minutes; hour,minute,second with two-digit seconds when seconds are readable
6,04,25
